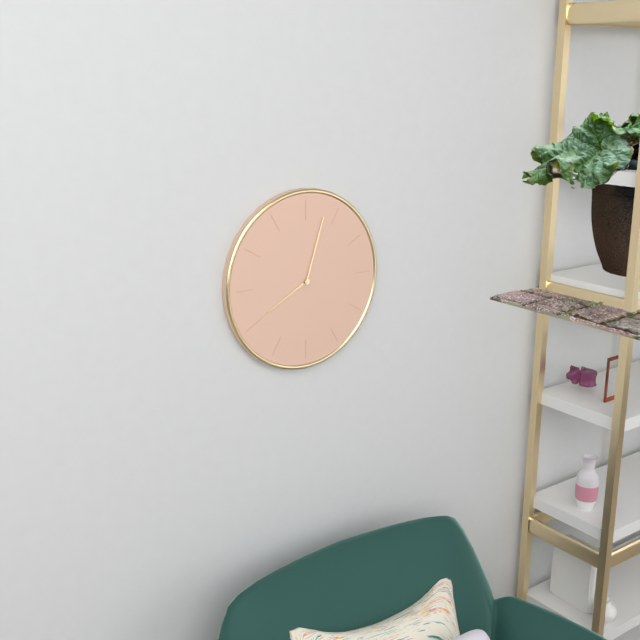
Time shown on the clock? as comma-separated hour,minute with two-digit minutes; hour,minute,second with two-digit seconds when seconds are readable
8,03
